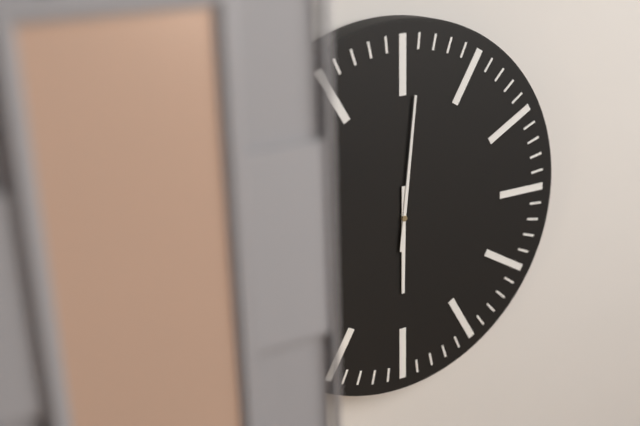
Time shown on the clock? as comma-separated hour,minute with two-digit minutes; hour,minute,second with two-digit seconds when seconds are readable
6,01
